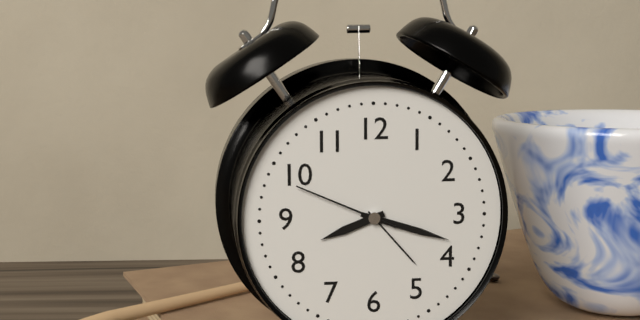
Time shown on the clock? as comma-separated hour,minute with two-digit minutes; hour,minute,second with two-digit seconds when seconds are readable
8,18,49
